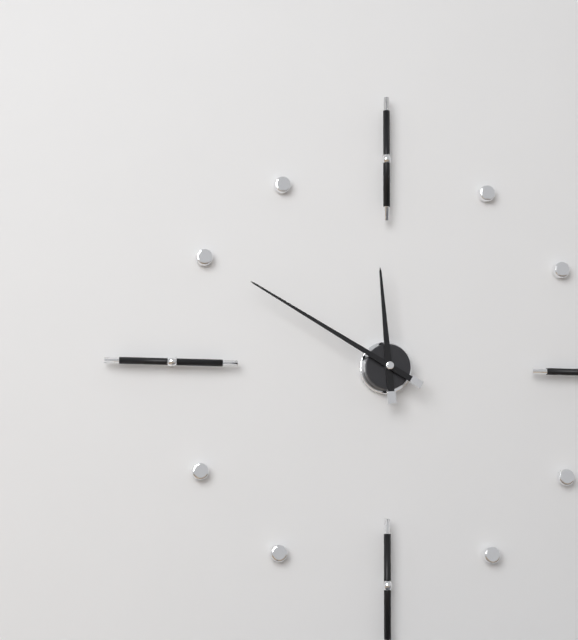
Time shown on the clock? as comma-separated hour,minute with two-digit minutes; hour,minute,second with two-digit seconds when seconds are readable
11,50
